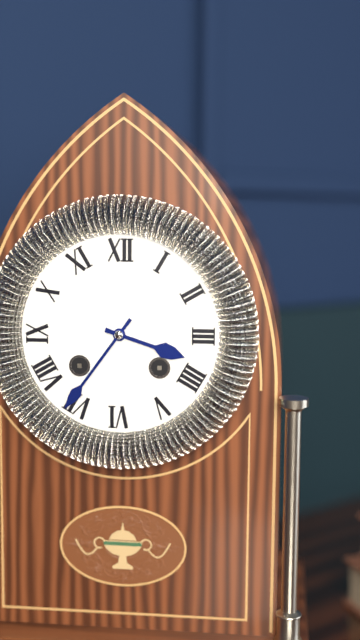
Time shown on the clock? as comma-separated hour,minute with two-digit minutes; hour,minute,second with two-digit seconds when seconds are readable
3,36
